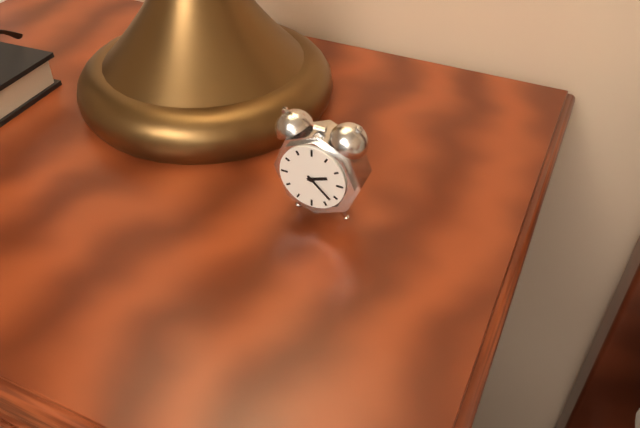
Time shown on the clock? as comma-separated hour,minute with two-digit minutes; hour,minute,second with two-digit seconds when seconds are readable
2,22
